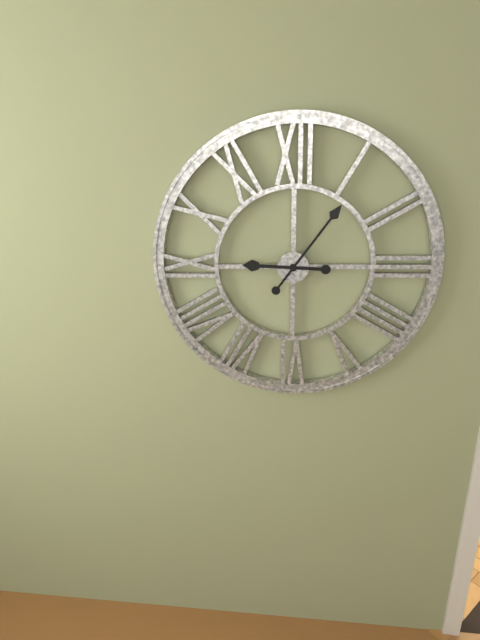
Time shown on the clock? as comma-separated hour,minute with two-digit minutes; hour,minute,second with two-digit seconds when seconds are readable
9,06
